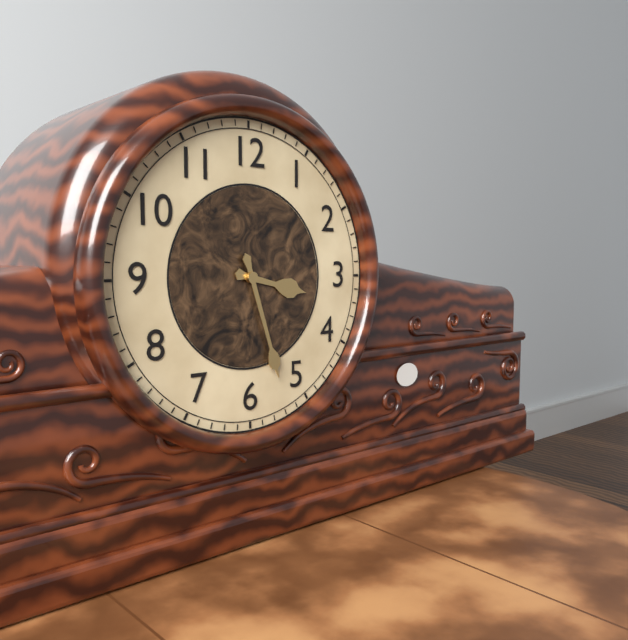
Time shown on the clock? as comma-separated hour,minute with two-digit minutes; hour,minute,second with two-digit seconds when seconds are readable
3,27
